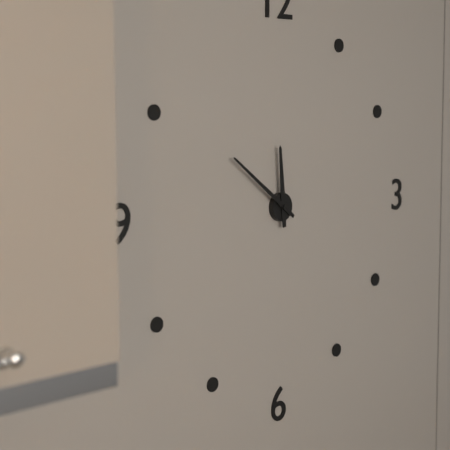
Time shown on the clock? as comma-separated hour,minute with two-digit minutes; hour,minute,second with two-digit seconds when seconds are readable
11,51
